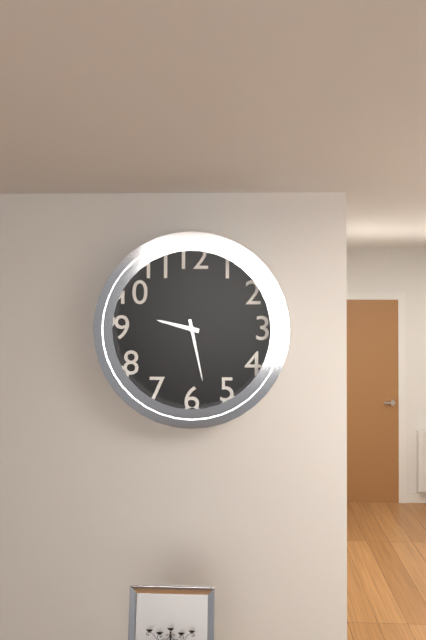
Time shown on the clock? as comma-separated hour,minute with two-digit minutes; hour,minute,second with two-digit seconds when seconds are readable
9,28
